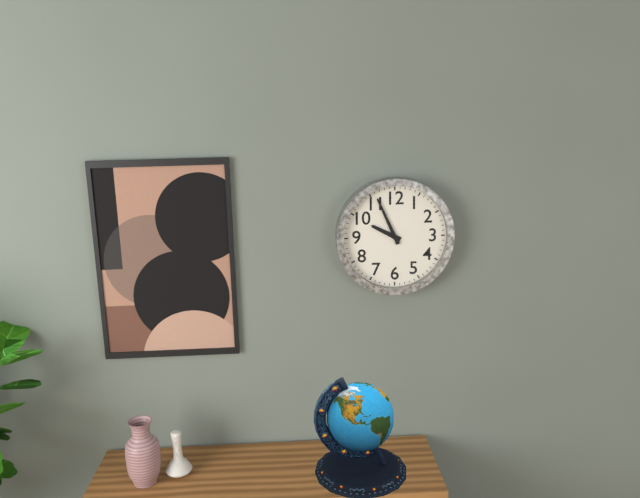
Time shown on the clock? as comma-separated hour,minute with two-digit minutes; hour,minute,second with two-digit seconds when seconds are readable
9,56
